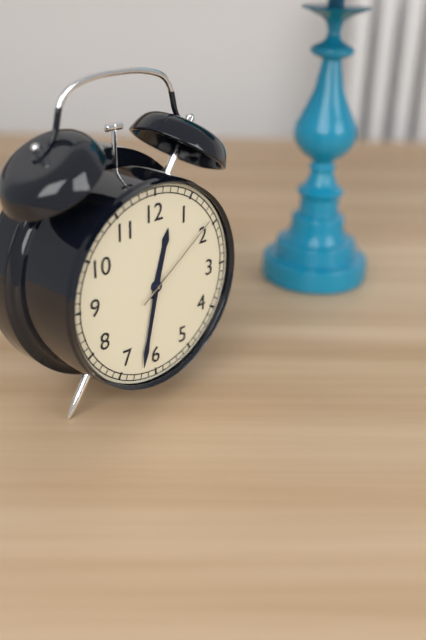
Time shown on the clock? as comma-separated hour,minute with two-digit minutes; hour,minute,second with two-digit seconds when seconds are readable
12,32,09
